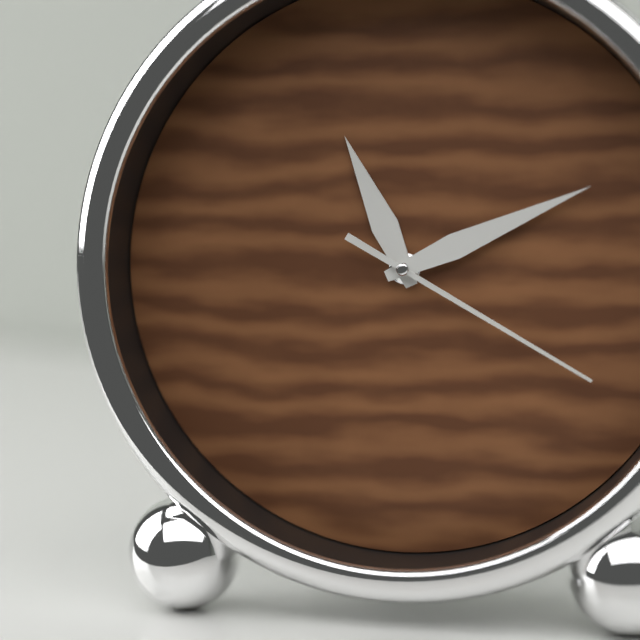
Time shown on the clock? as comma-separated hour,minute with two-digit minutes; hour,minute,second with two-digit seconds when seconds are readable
11,11,20
